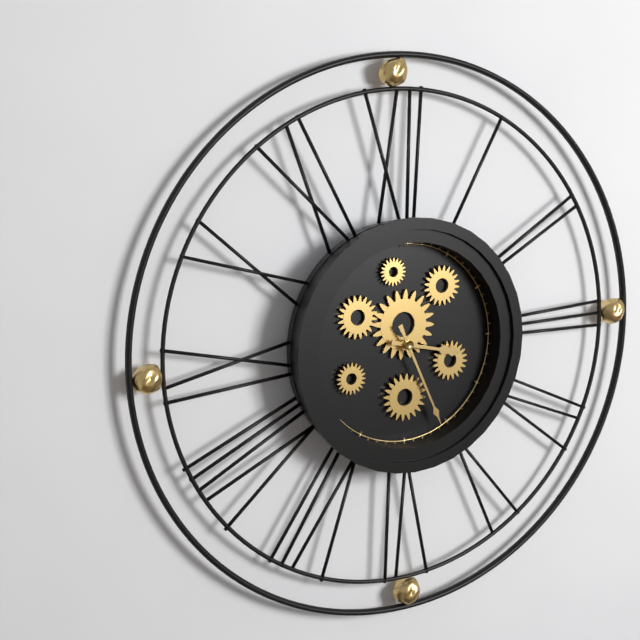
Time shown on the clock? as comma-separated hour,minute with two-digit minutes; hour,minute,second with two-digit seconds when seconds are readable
3,26
